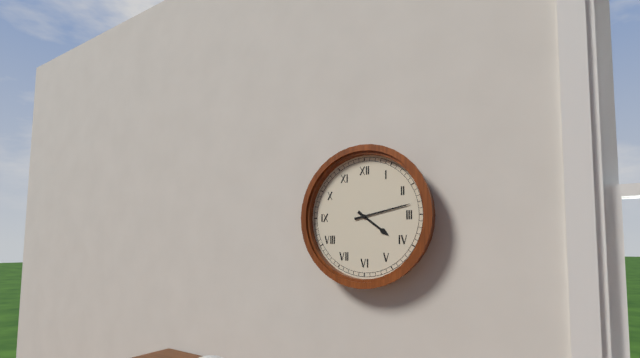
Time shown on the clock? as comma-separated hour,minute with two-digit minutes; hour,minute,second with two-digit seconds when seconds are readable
4,13
